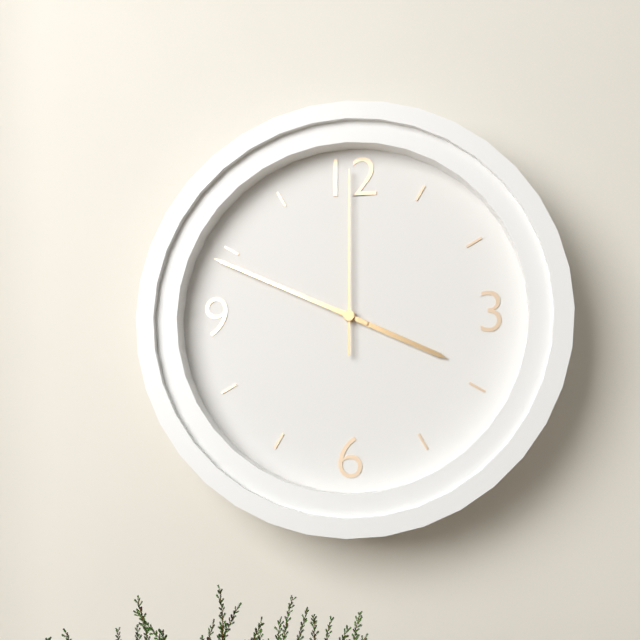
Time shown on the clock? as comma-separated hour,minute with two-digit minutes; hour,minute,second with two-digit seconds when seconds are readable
3,49,00
